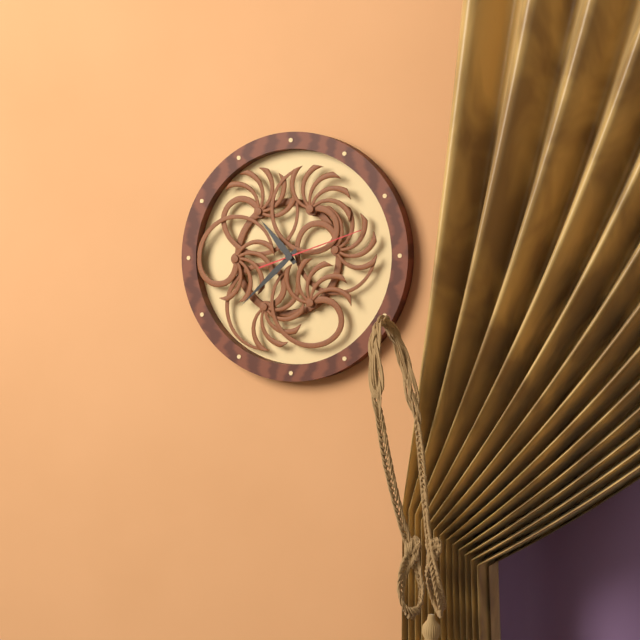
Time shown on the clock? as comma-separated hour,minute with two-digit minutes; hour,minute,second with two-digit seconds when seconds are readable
10,38,12
